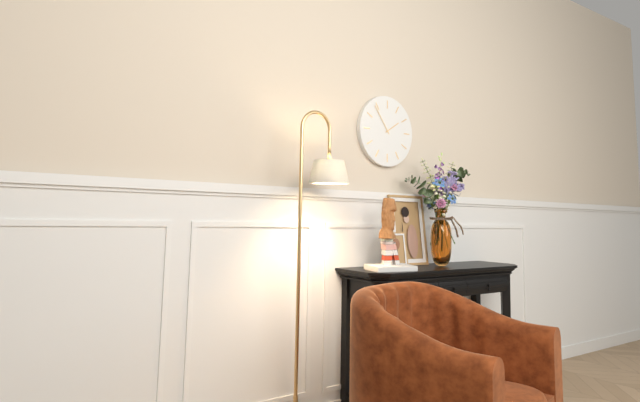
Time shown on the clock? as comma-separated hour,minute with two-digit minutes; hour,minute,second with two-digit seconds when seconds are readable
1,54
